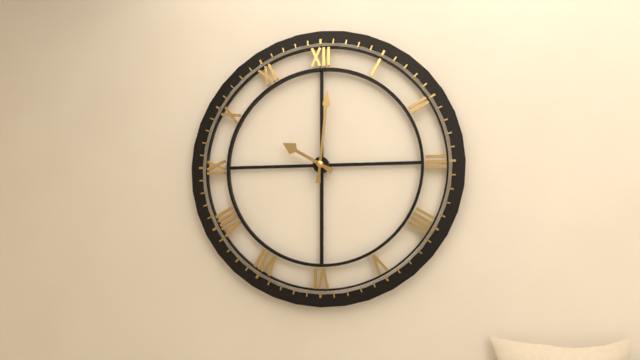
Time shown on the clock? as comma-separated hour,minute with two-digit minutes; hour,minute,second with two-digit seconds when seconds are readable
10,01
